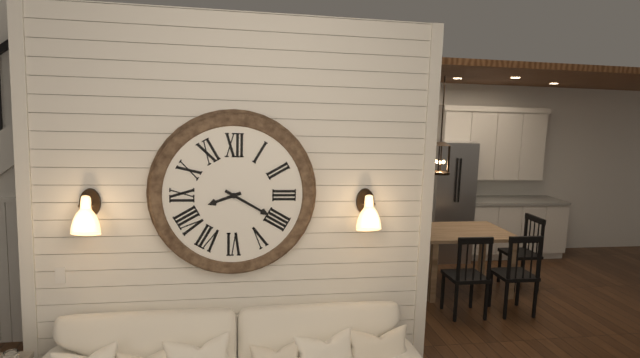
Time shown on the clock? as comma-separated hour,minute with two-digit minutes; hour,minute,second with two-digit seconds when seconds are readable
8,20
